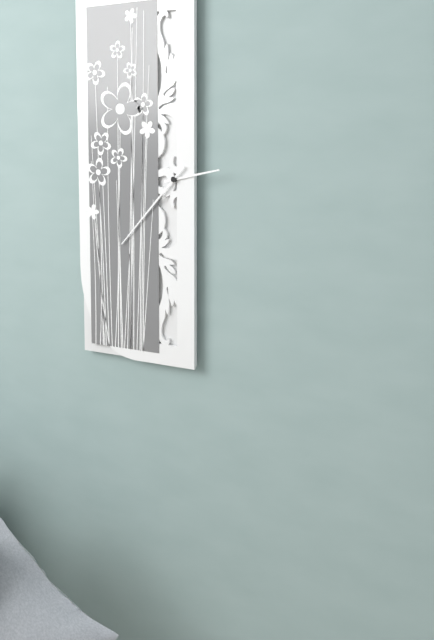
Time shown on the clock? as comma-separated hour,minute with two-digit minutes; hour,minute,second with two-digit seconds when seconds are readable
2,37
